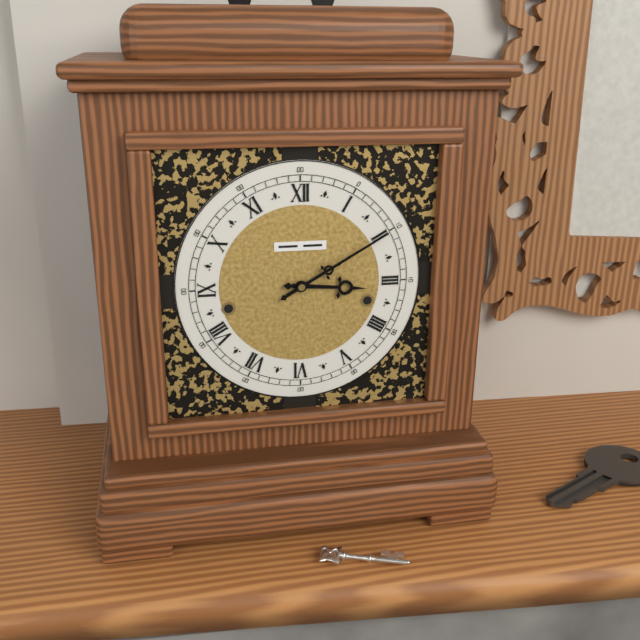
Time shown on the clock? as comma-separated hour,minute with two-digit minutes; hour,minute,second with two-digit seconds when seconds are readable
3,10
